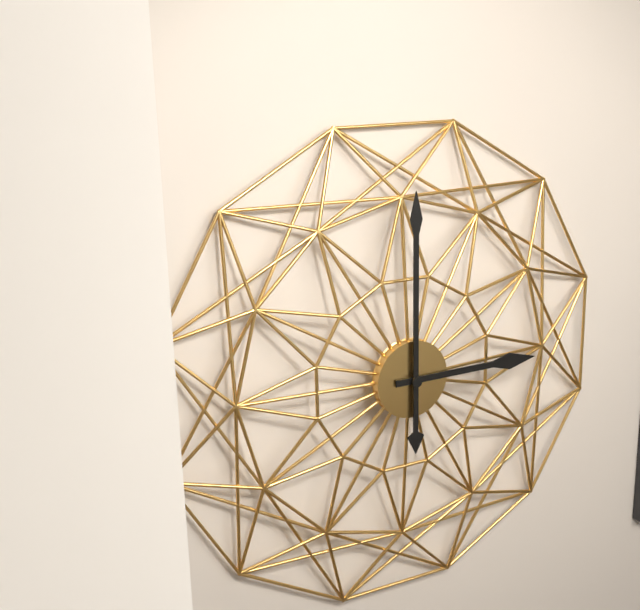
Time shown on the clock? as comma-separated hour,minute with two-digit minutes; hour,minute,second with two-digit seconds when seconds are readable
3,00
